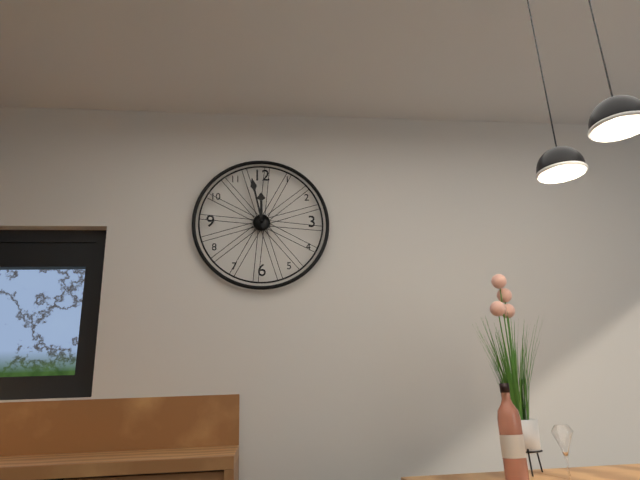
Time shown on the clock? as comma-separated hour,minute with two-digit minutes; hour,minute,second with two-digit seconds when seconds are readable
11,58
